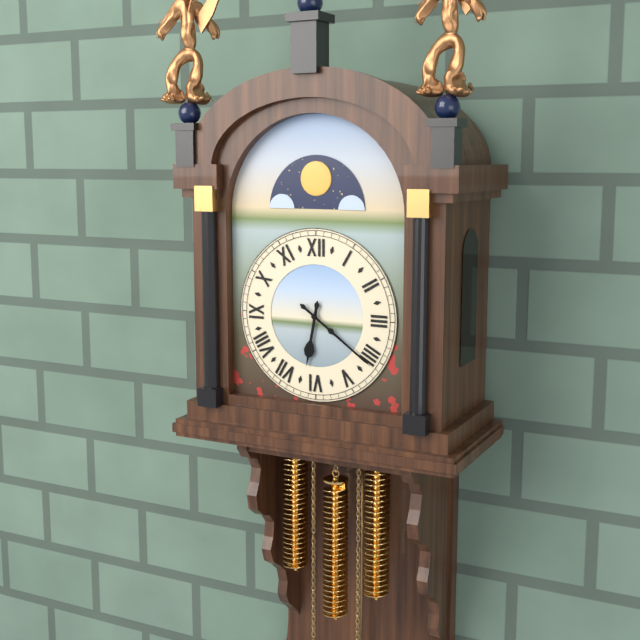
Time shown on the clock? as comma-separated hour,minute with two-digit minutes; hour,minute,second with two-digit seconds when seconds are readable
6,21
